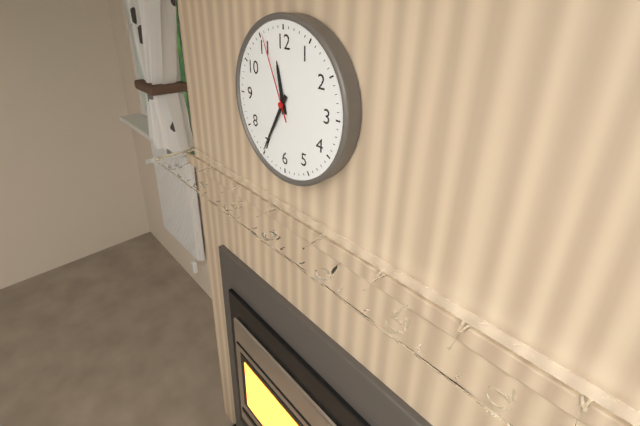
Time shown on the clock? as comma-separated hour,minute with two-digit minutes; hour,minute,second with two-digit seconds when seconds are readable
11,35,56
